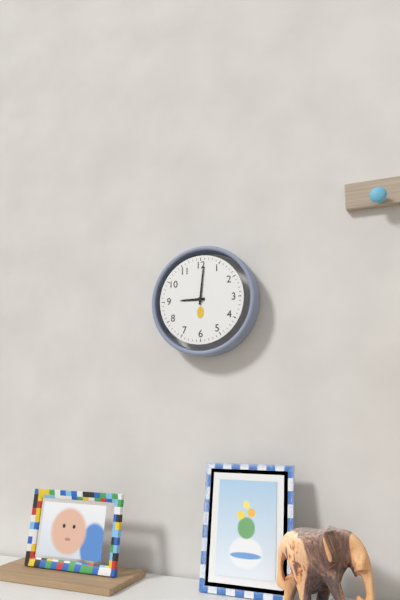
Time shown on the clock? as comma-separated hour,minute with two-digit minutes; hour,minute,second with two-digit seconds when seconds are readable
9,01
